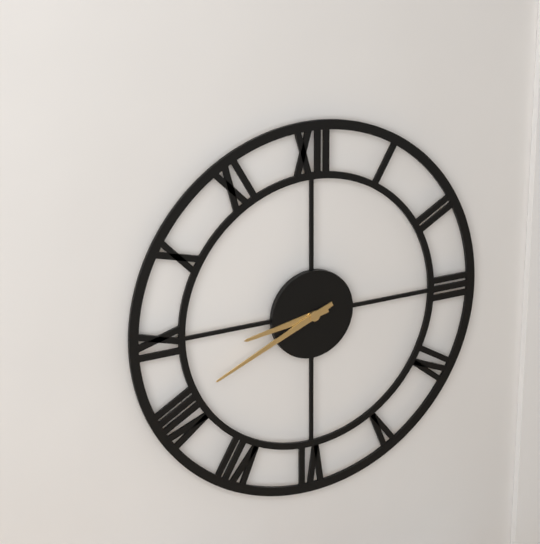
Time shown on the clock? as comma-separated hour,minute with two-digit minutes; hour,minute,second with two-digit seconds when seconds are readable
8,41
